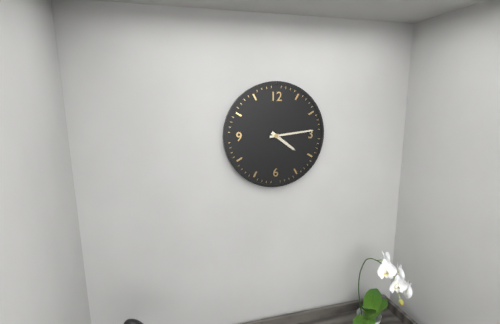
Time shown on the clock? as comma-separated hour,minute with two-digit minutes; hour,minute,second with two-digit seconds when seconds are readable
4,14
